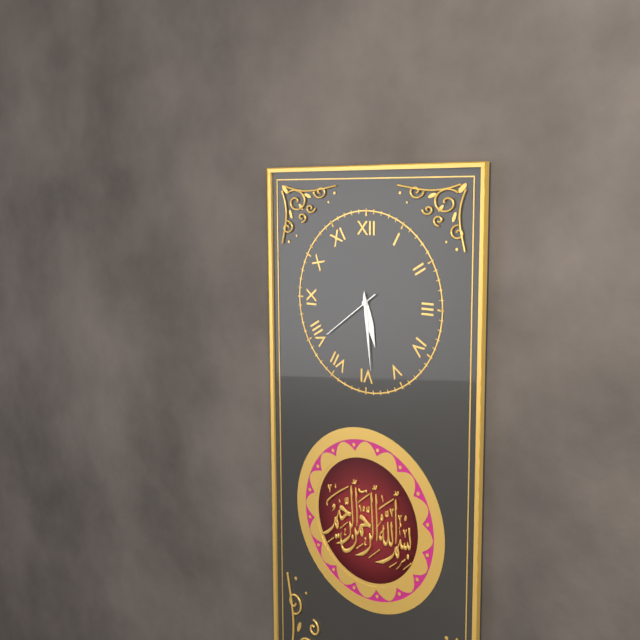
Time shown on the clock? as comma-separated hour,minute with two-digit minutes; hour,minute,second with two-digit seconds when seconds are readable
5,29,39
